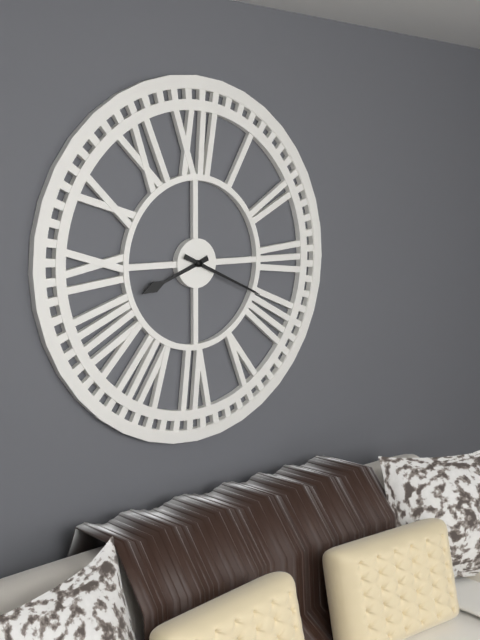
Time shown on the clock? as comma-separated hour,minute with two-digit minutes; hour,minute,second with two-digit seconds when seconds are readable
8,19
